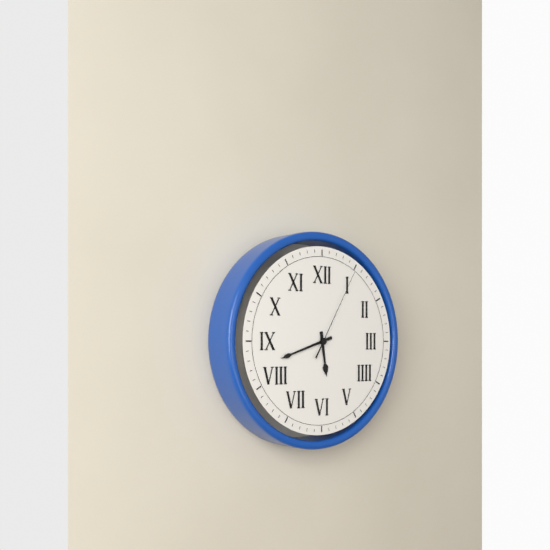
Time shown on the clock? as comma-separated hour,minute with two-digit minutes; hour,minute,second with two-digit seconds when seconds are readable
5,42,05
